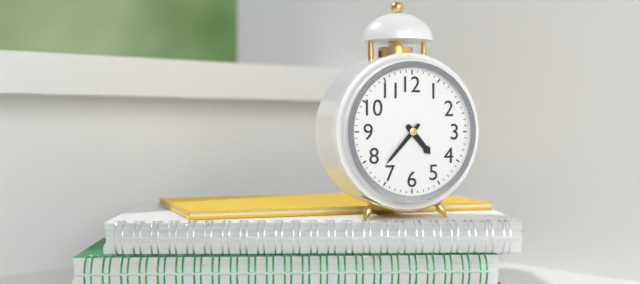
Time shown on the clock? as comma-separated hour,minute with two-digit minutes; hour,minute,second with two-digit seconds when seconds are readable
4,37
